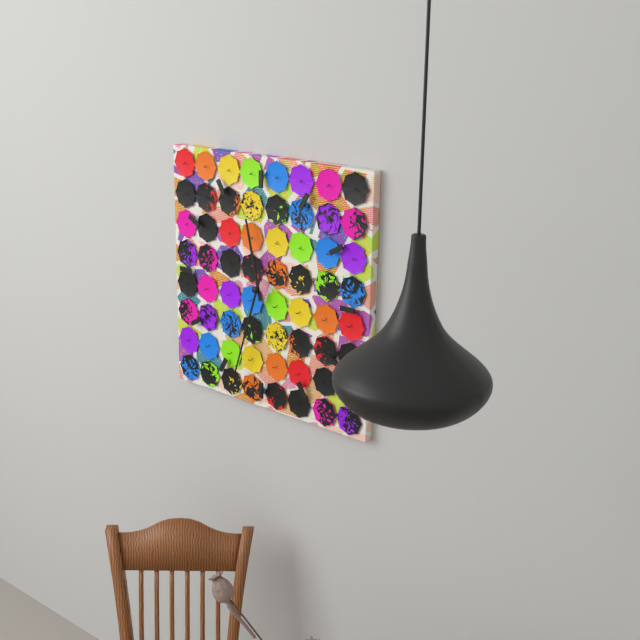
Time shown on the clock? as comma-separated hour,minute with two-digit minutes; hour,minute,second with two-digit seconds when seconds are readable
11,33
